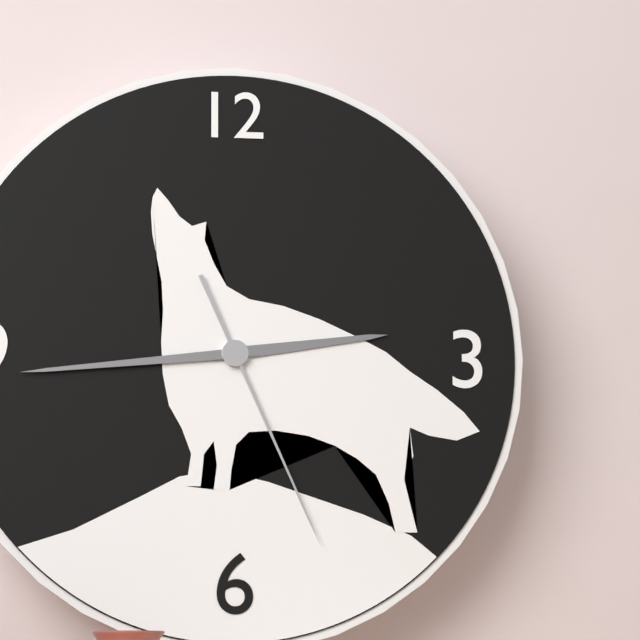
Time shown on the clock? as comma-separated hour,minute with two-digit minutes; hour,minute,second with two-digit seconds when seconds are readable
2,44,26
